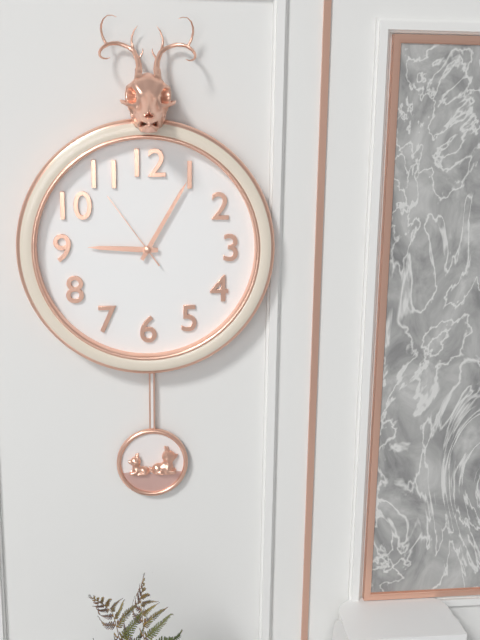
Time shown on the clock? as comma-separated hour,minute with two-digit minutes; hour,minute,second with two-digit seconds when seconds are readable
9,05,54
